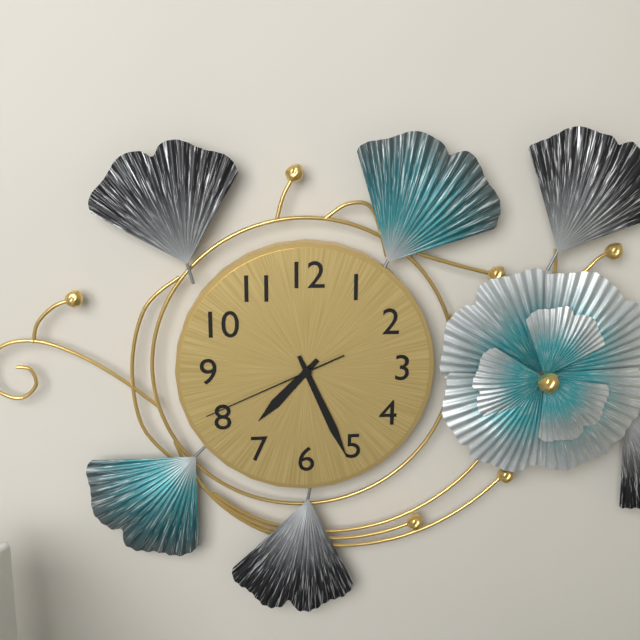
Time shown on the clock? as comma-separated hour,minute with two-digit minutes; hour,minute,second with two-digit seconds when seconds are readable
7,26,41
